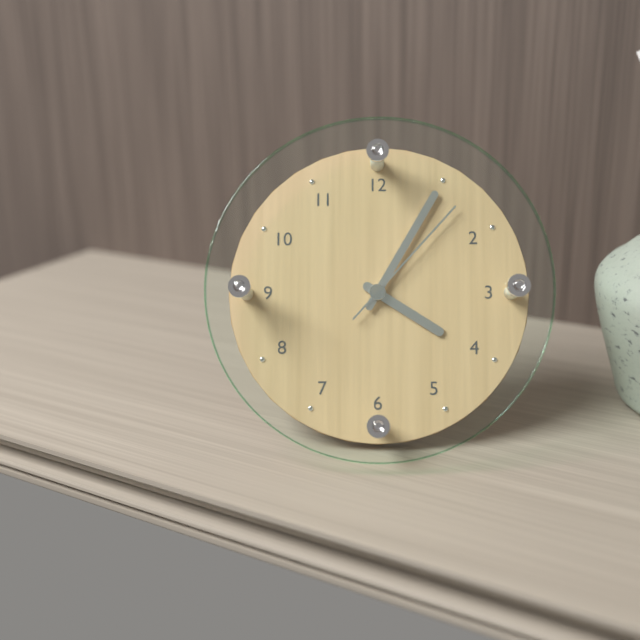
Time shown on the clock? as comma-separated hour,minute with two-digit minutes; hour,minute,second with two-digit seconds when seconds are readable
4,05,07
